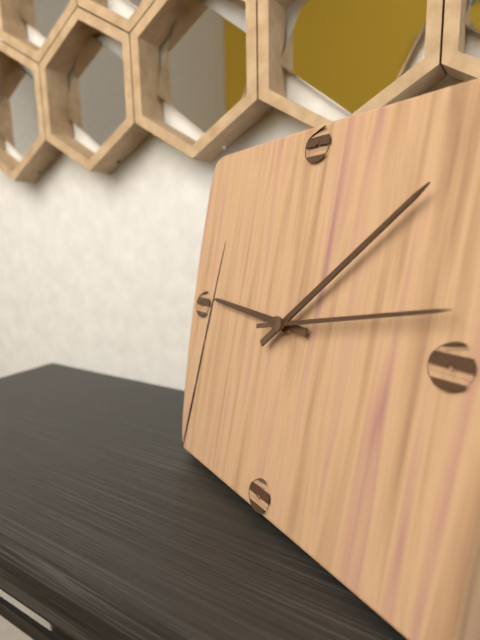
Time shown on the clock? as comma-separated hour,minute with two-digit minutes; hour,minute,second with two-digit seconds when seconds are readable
9,08,13
